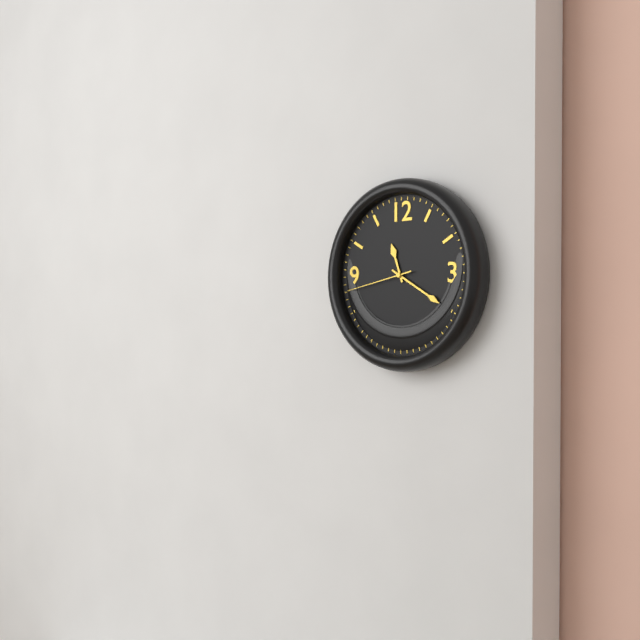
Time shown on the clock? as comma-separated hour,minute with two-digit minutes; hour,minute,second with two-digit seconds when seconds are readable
11,20,43
